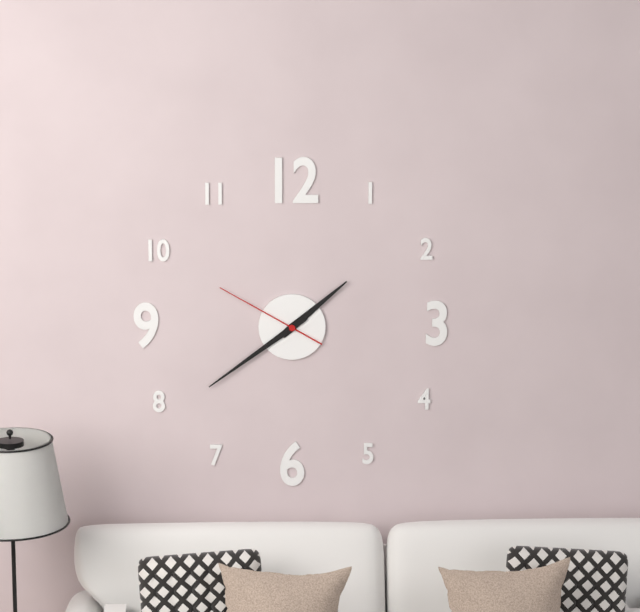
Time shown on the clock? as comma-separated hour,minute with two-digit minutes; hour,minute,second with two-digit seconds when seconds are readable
1,39,50
